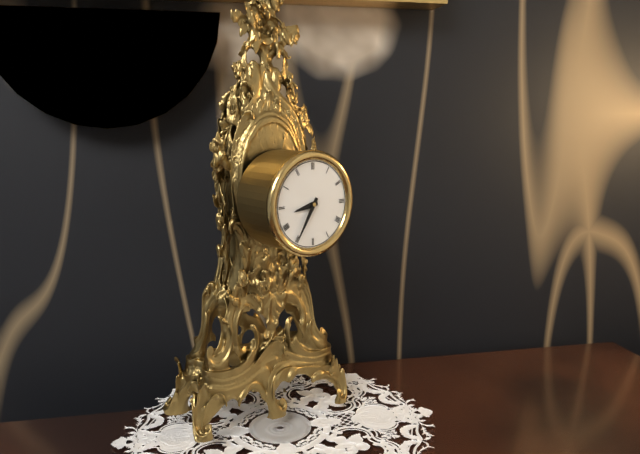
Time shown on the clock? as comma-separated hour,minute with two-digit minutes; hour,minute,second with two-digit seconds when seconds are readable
8,35
